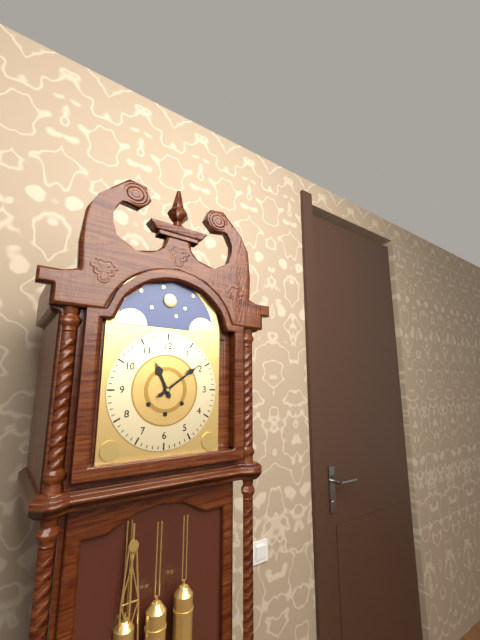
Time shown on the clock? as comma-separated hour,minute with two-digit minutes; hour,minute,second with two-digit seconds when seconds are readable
11,09
